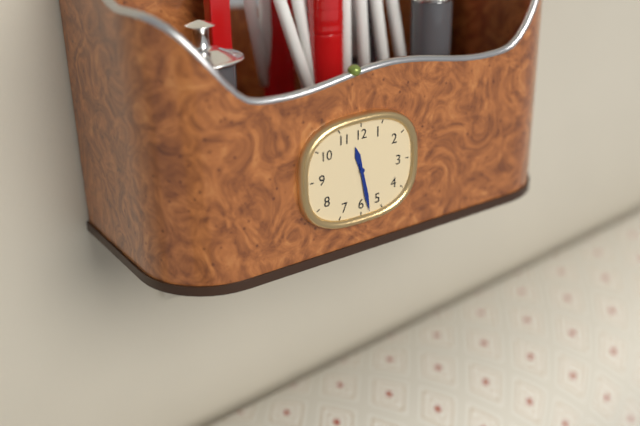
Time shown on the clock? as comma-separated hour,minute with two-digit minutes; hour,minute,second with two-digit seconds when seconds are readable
11,28
